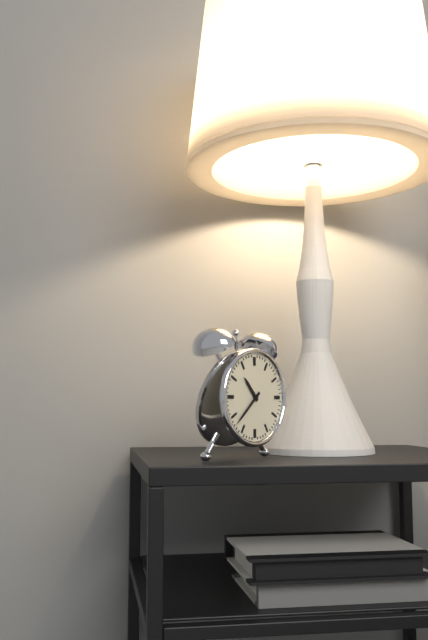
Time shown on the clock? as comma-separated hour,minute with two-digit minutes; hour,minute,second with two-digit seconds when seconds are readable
10,38
